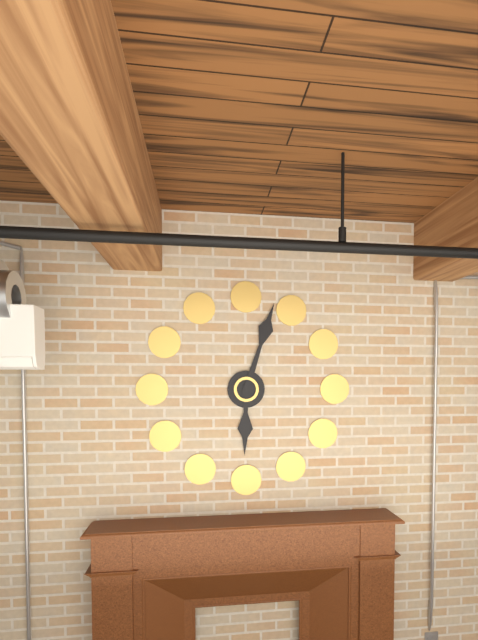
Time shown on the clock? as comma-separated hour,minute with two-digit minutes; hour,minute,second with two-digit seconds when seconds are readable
6,03
